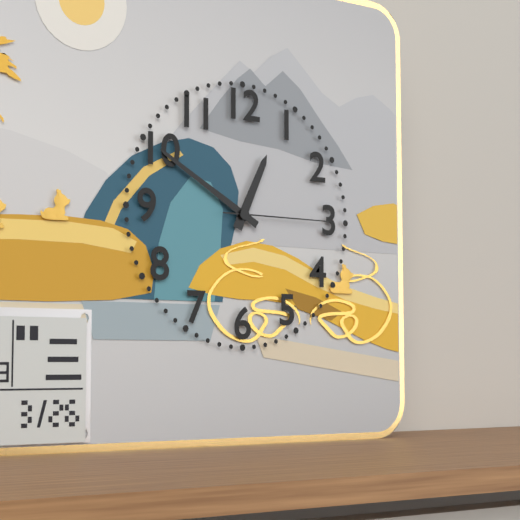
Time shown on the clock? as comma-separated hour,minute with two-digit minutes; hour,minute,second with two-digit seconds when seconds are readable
12,50,15
